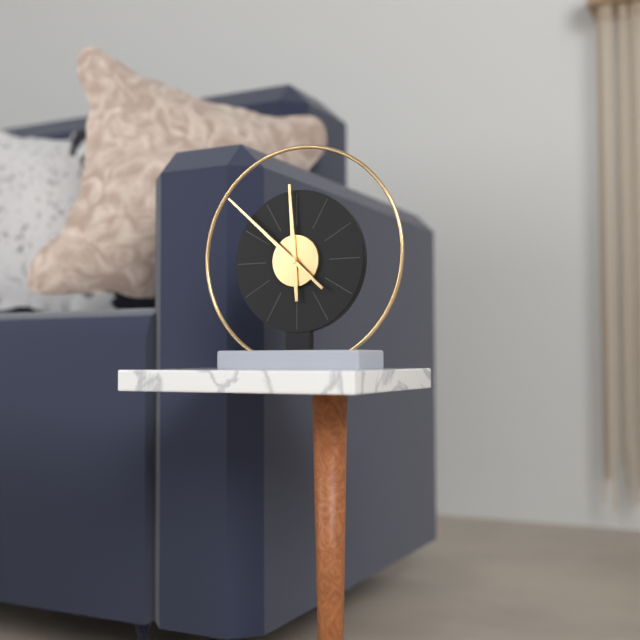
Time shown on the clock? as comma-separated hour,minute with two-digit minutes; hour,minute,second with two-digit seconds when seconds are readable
11,52
